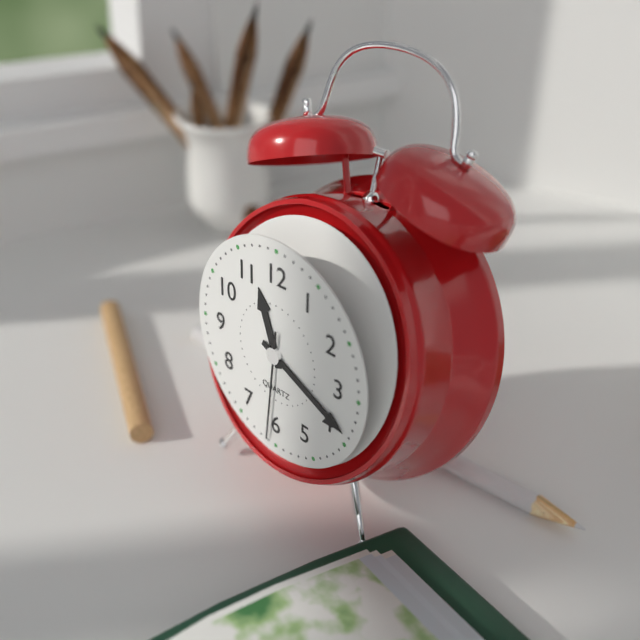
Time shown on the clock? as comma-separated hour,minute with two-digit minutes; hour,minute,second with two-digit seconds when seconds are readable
11,19,31
